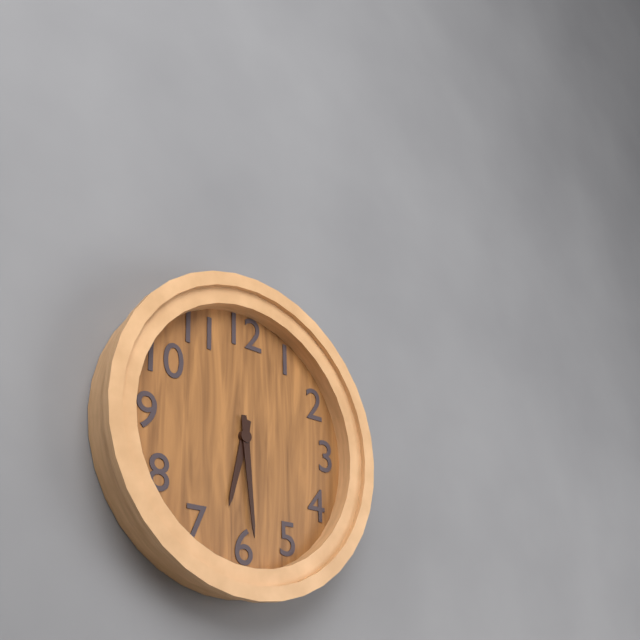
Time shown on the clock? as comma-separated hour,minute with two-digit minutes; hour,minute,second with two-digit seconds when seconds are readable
6,29
